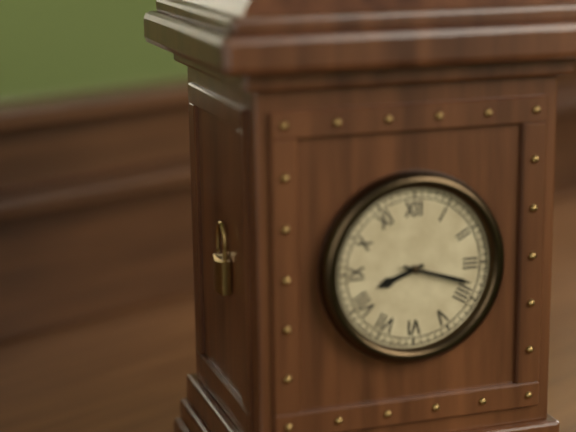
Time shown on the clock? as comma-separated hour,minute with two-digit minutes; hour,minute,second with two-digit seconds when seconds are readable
8,18
